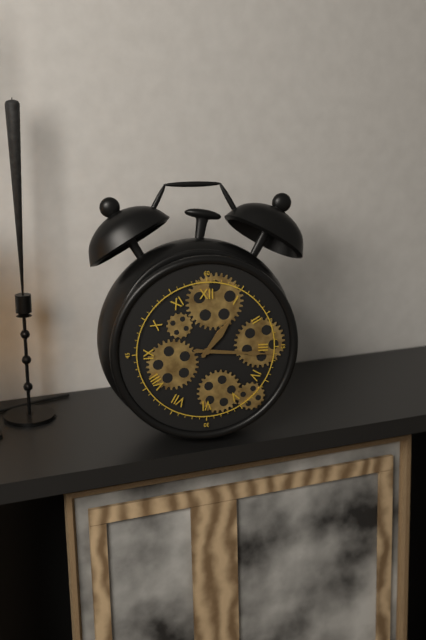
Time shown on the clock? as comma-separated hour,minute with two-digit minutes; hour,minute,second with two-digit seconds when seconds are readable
1,16
